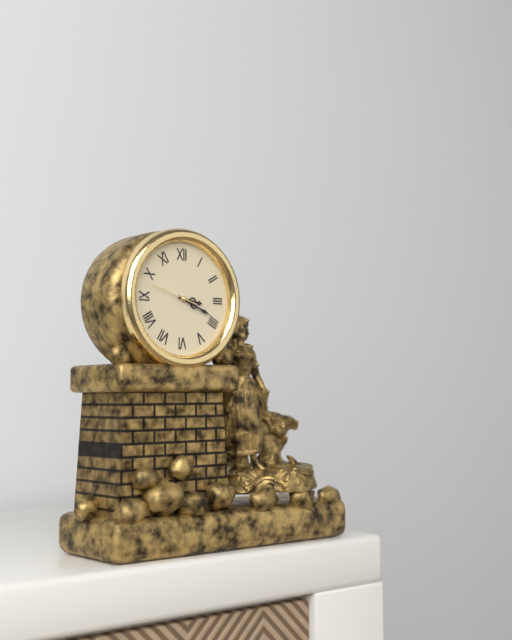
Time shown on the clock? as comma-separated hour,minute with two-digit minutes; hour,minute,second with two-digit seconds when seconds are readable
3,19
